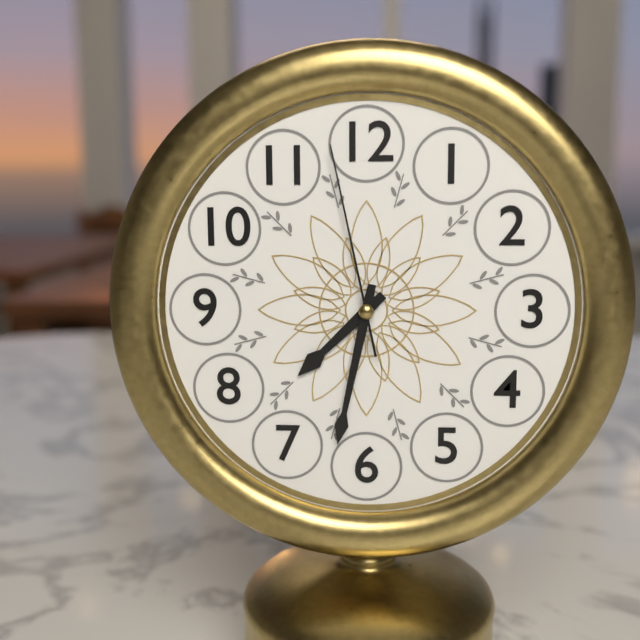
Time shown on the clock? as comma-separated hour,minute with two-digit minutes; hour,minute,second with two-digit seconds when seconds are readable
7,32,58
